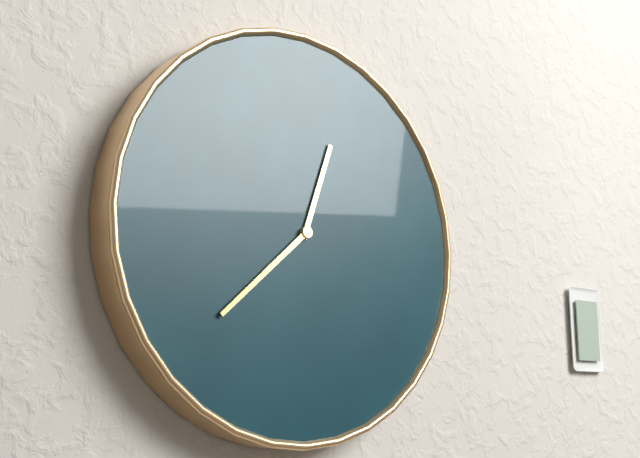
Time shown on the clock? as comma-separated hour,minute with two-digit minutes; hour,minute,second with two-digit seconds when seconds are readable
12,38
